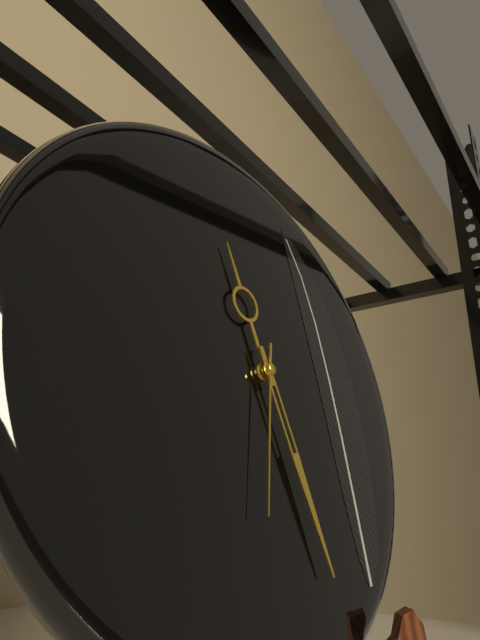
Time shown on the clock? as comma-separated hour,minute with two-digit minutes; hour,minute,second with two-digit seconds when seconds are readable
11,27,32
